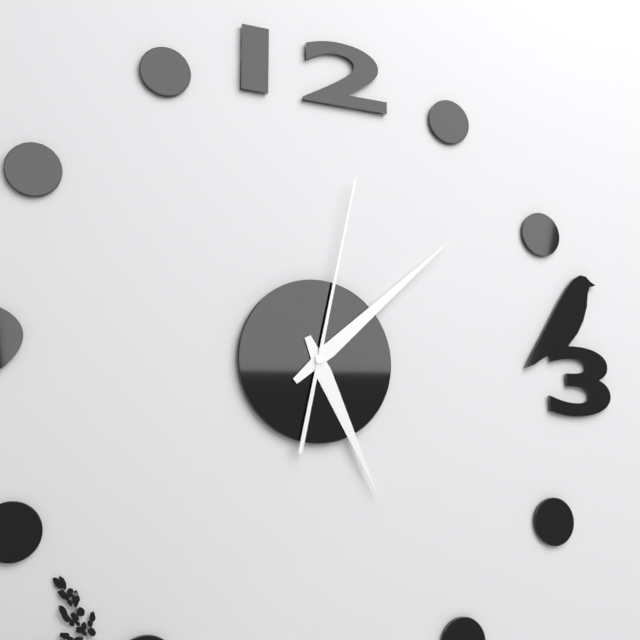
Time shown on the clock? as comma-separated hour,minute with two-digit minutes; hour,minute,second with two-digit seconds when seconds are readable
5,08,02
